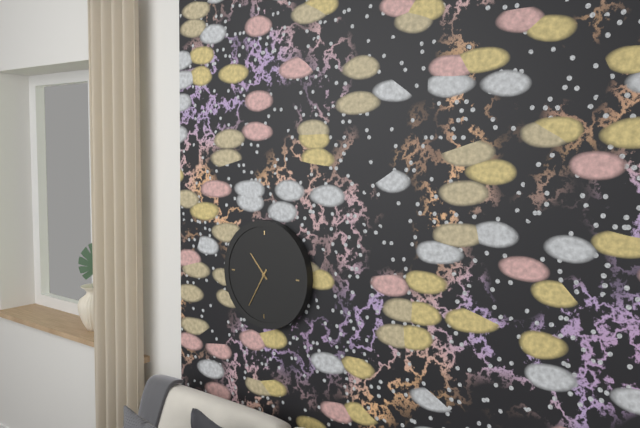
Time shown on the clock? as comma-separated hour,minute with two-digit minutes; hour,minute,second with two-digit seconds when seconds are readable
10,35
